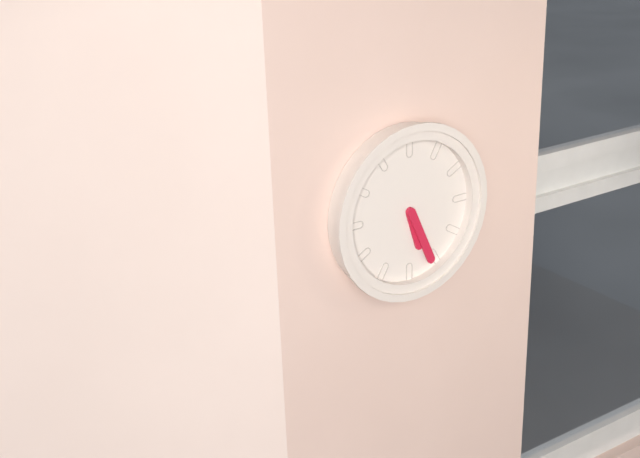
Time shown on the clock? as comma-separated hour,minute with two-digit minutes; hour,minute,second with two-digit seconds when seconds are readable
5,26
